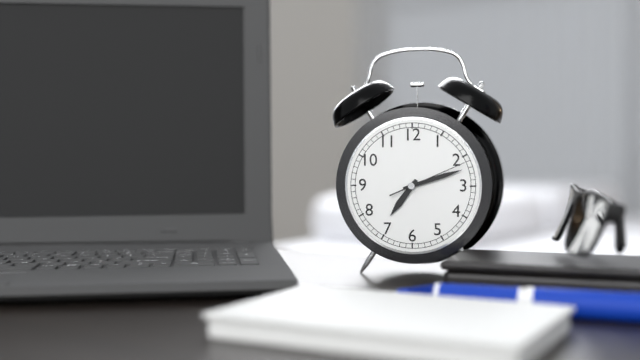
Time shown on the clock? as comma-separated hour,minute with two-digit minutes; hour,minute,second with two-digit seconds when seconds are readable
7,12,11
